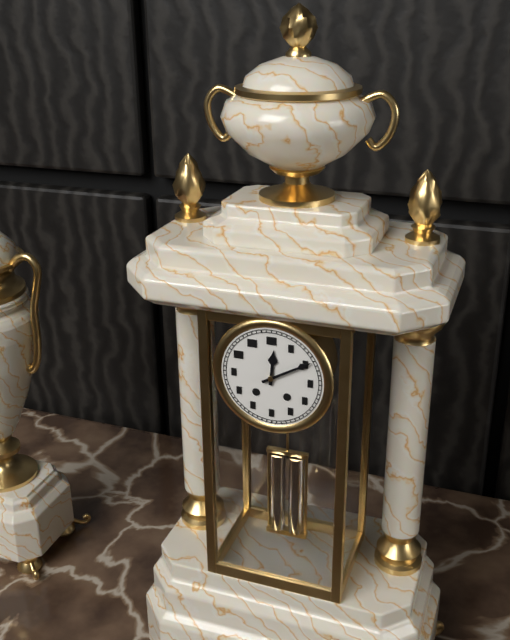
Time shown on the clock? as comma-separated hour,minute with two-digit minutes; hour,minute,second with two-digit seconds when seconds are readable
12,10
